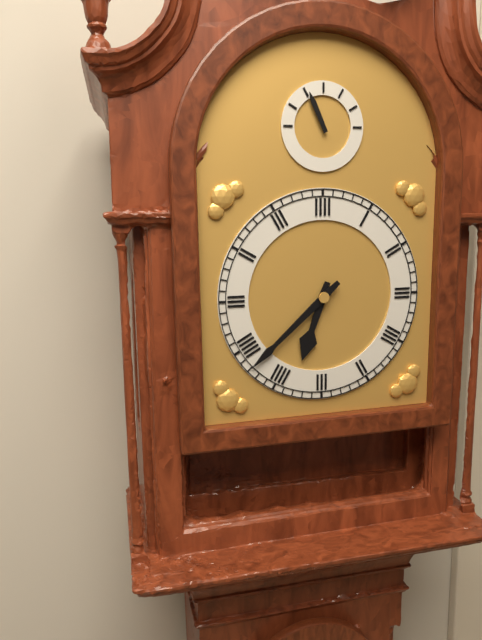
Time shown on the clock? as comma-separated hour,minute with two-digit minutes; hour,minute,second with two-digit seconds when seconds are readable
6,38
